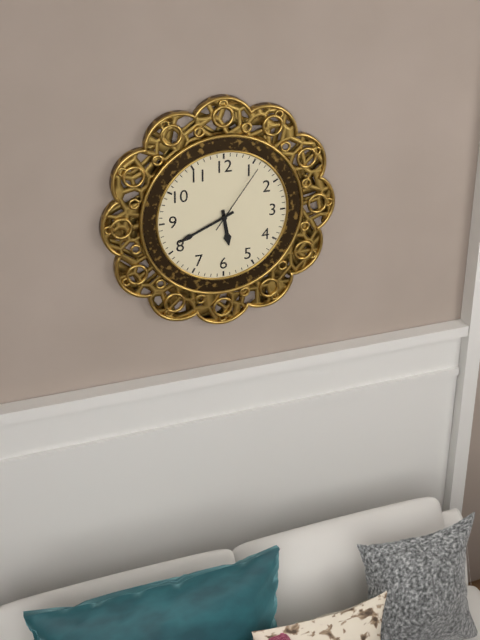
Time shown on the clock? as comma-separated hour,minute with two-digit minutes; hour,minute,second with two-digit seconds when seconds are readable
5,41,06
